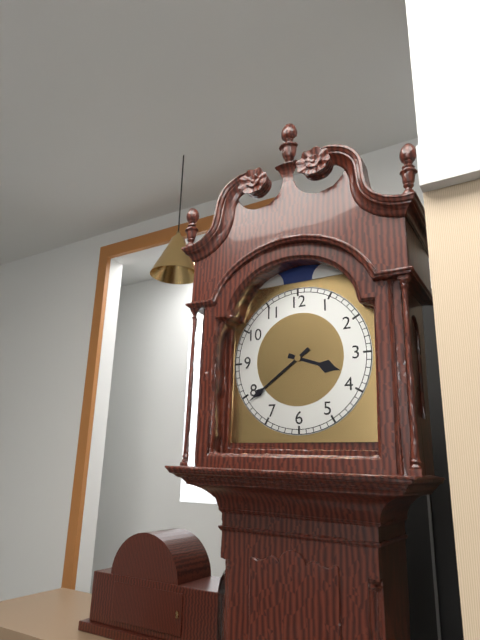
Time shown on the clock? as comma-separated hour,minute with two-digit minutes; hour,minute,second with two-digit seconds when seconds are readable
3,39
